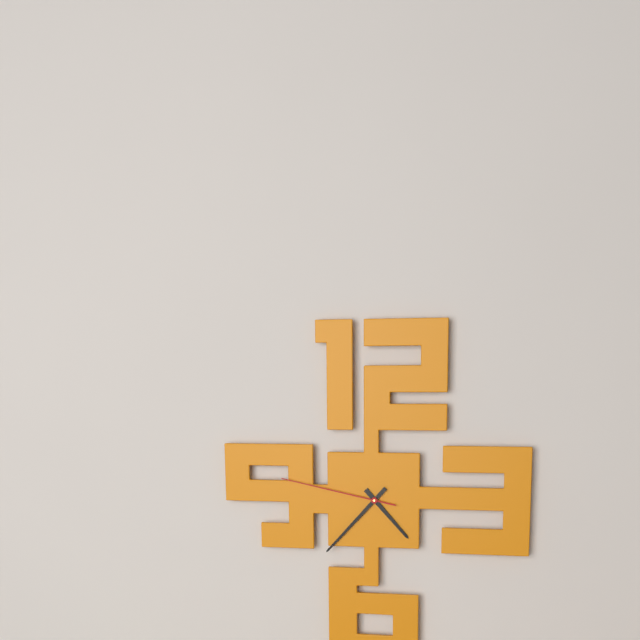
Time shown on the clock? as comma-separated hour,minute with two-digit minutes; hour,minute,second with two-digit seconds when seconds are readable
4,37,47
